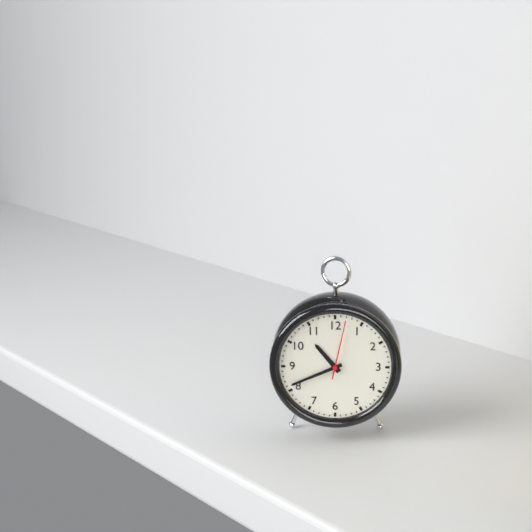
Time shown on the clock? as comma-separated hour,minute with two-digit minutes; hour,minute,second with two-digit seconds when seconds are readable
10,41,02
